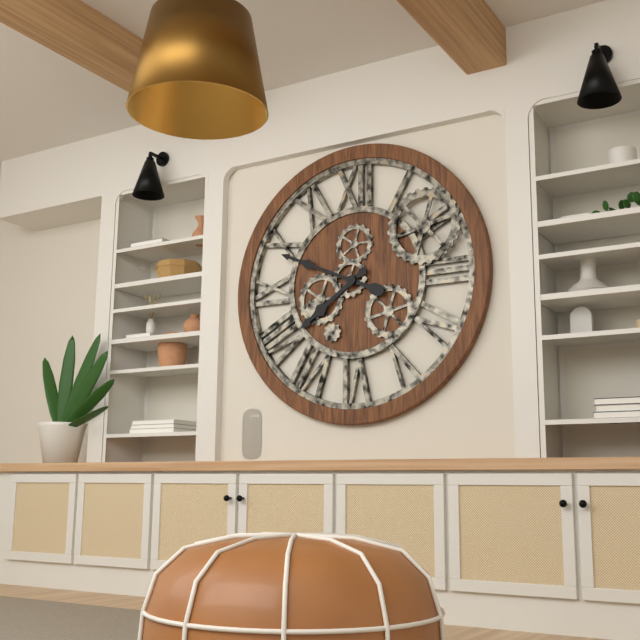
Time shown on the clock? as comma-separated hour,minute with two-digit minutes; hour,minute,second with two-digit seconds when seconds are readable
7,49
